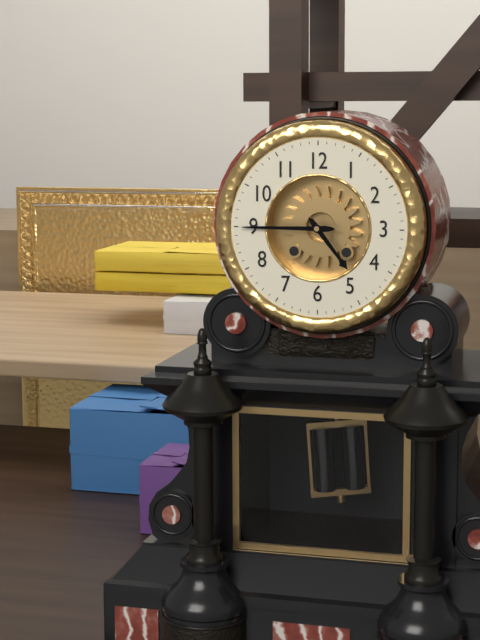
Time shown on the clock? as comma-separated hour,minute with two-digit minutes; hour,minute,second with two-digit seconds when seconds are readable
4,45
